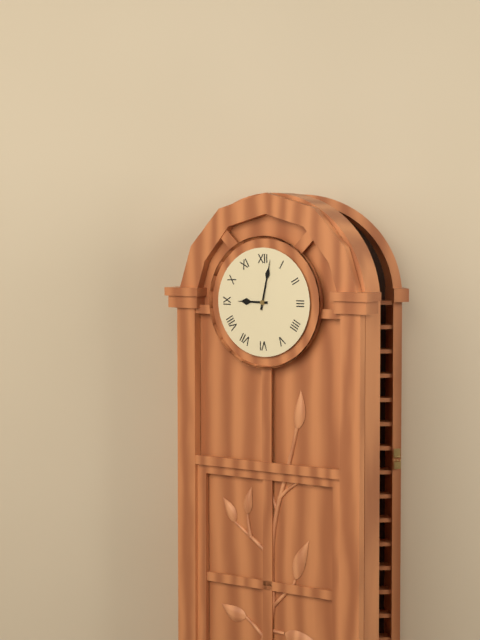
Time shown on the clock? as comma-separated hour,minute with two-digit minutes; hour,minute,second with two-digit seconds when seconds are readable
9,02
